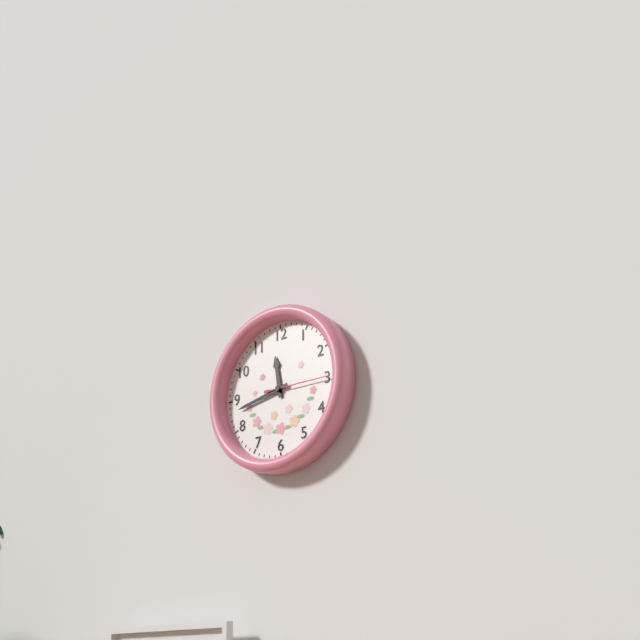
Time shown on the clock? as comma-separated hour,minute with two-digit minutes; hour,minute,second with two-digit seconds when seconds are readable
11,43,15
